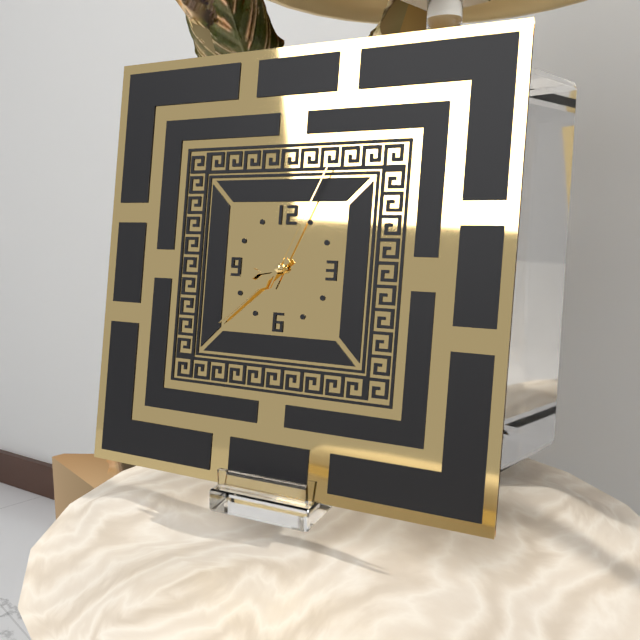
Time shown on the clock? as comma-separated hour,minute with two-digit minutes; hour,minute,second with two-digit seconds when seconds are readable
8,38,04
